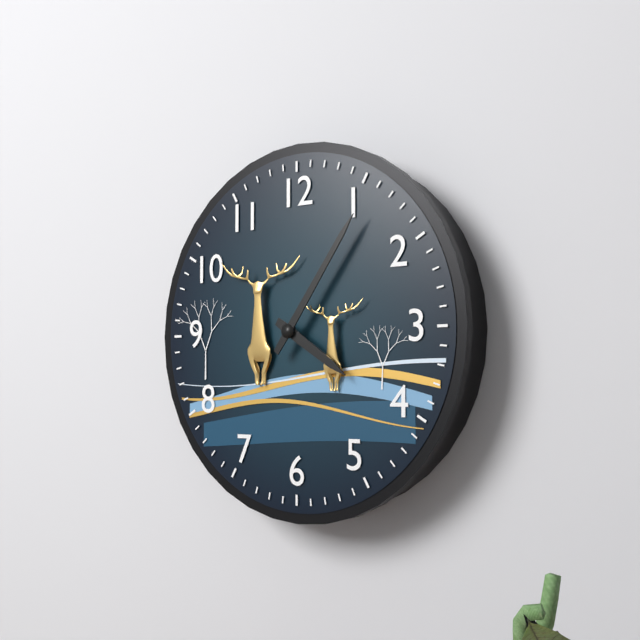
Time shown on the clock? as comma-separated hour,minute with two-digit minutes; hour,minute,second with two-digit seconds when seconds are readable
4,06
